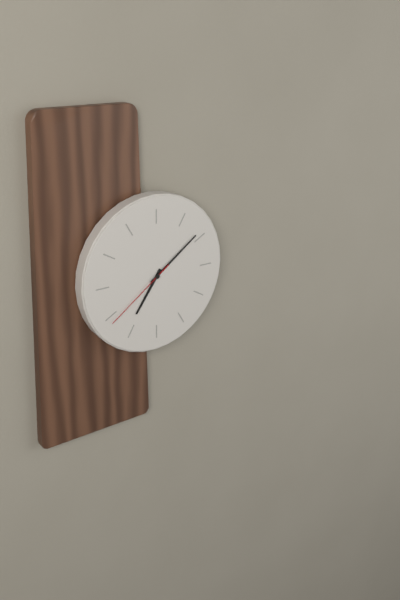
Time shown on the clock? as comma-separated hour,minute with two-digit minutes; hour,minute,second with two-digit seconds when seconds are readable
7,09,39
